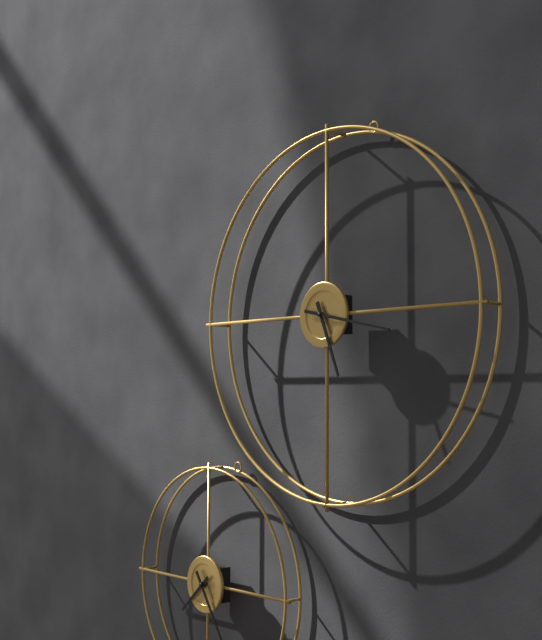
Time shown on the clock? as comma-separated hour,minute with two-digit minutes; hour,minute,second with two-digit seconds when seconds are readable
5,17
